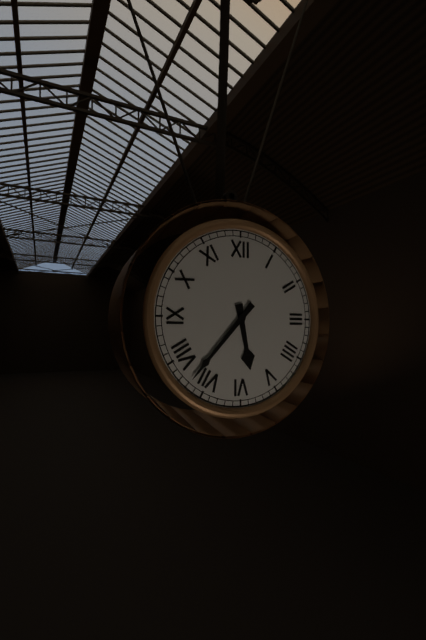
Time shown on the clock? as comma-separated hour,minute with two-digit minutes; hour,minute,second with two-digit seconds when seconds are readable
5,37
